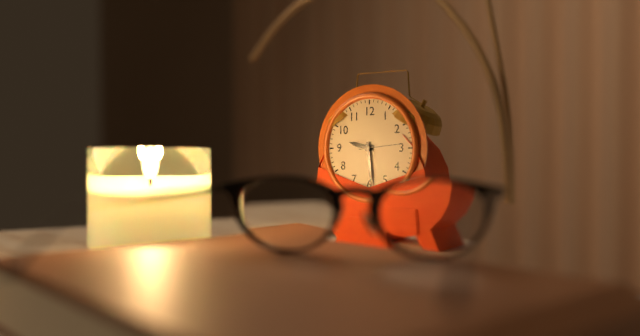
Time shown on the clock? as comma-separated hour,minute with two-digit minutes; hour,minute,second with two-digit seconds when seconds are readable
9,29
